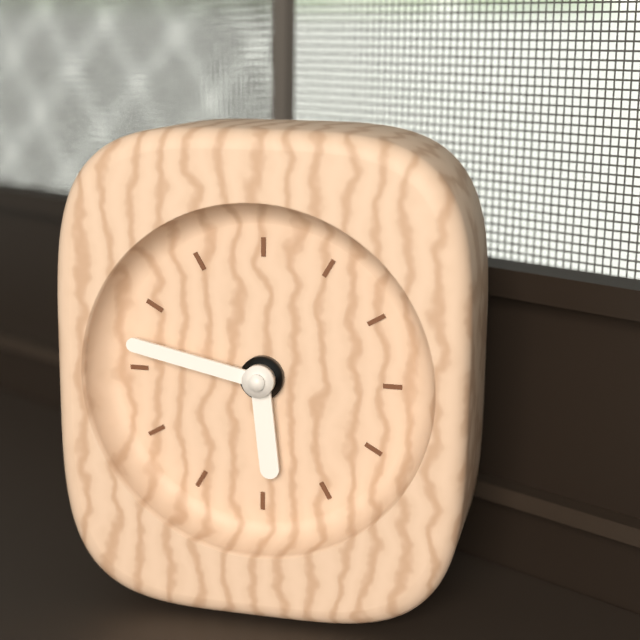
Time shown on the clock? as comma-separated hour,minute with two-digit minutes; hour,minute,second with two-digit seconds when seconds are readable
5,47
